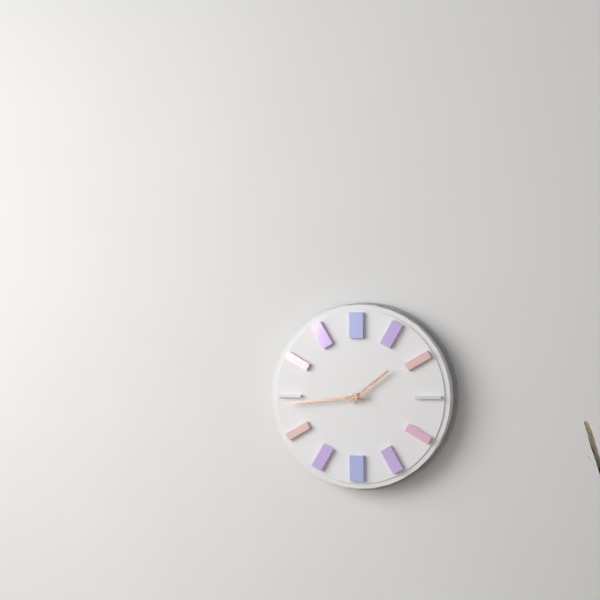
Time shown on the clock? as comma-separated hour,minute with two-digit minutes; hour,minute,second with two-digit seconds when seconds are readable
1,44
